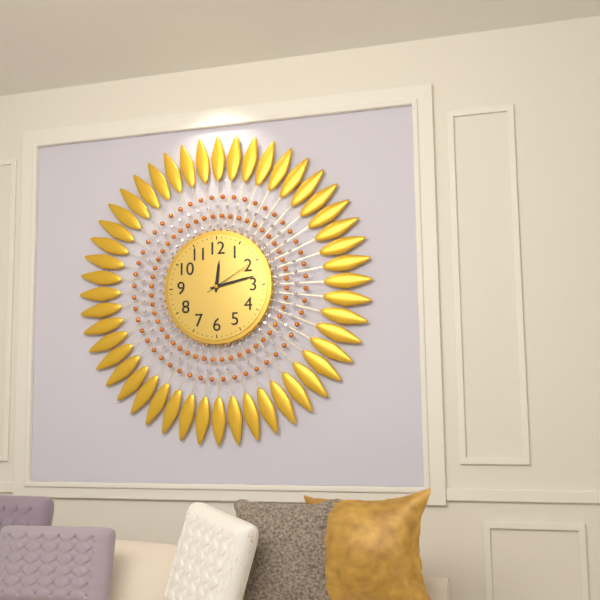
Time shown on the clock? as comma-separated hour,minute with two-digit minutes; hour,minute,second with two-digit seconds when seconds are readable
12,13,10
